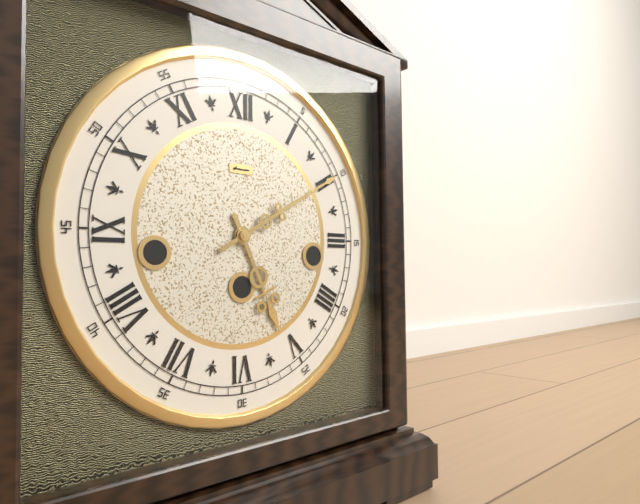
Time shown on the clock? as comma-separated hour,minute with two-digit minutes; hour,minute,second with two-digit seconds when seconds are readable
5,10
